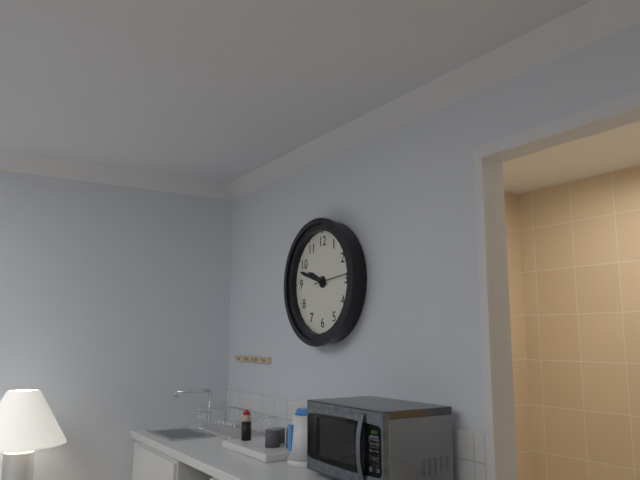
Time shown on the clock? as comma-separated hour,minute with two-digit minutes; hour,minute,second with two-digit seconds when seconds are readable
9,48
